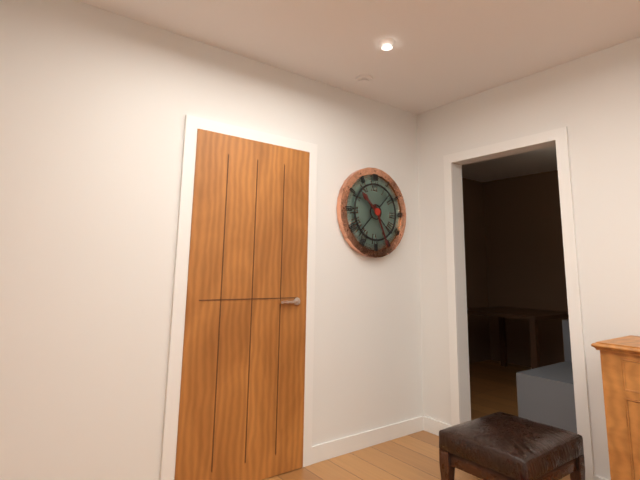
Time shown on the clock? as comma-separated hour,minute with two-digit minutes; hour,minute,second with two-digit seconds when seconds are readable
10,26
